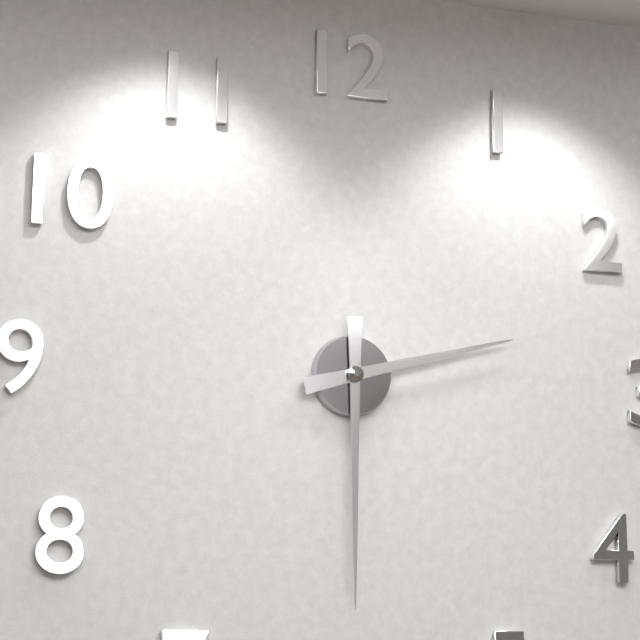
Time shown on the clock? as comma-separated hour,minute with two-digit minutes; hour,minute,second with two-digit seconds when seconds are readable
2,30
